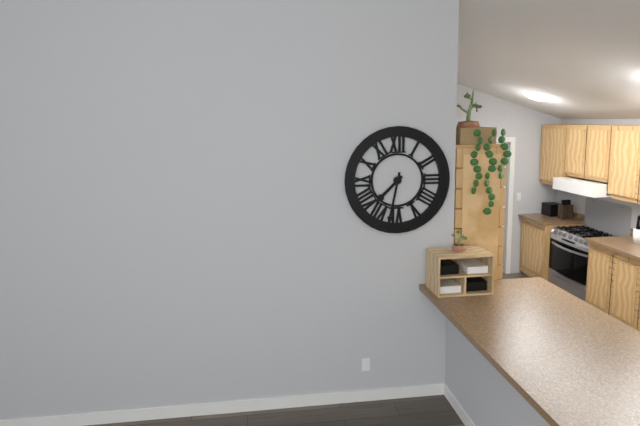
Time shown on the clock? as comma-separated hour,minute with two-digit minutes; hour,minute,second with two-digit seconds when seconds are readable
7,32
